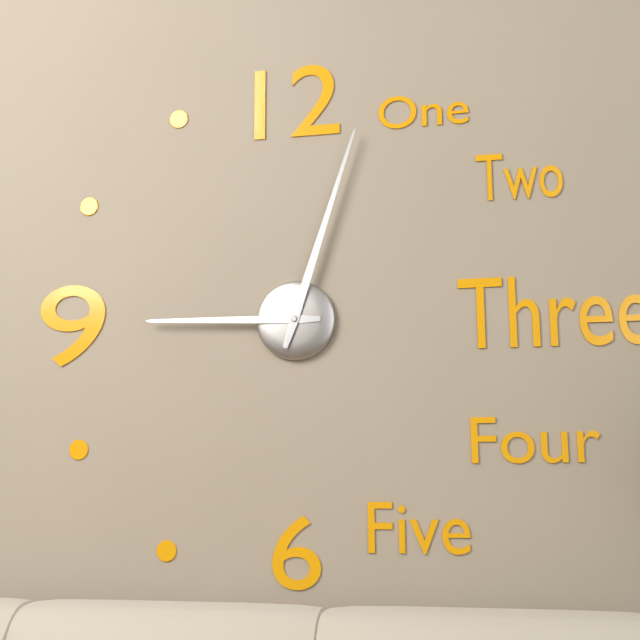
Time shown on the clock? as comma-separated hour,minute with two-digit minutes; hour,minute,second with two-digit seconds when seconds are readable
9,03
